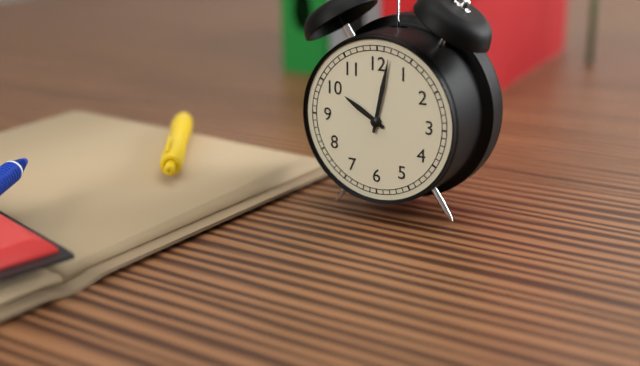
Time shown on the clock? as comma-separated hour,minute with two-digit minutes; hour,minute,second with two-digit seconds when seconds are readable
10,02
